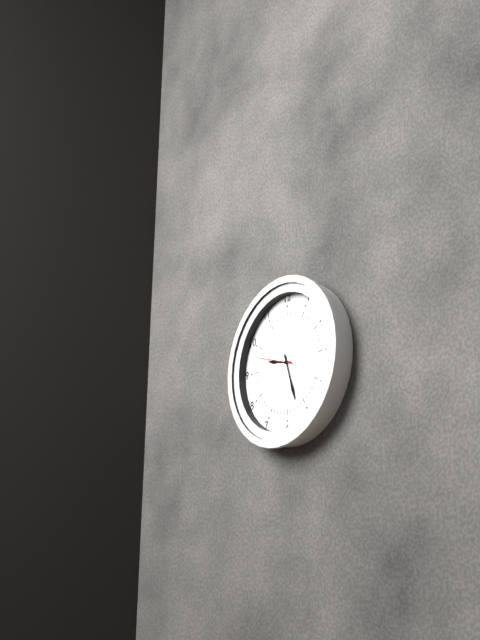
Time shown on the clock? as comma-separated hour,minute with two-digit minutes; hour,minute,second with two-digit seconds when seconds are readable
9,27
